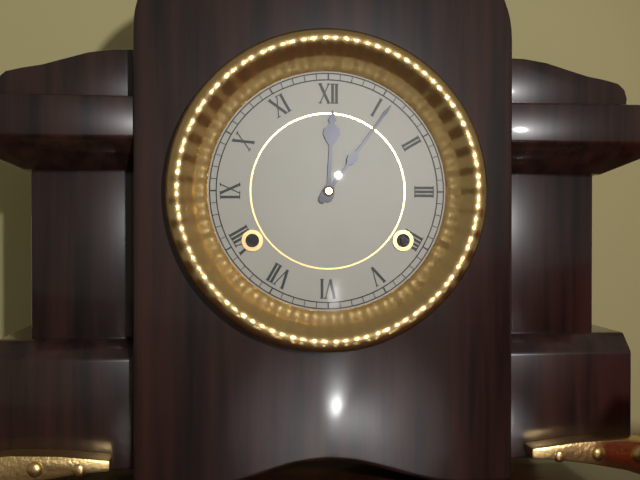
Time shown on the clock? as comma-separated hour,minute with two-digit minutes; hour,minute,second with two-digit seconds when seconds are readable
12,06
